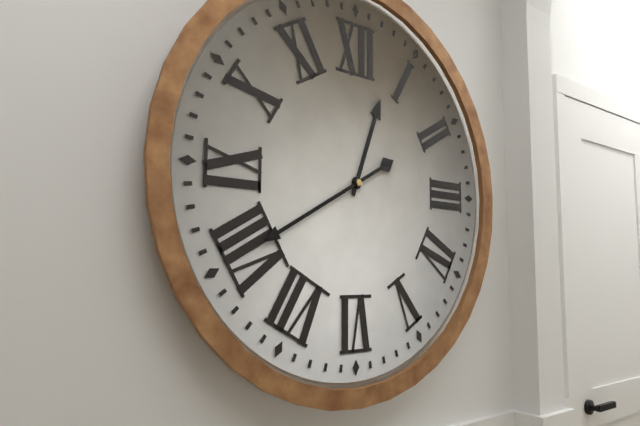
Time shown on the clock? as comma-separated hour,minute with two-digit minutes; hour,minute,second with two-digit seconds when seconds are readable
12,40
